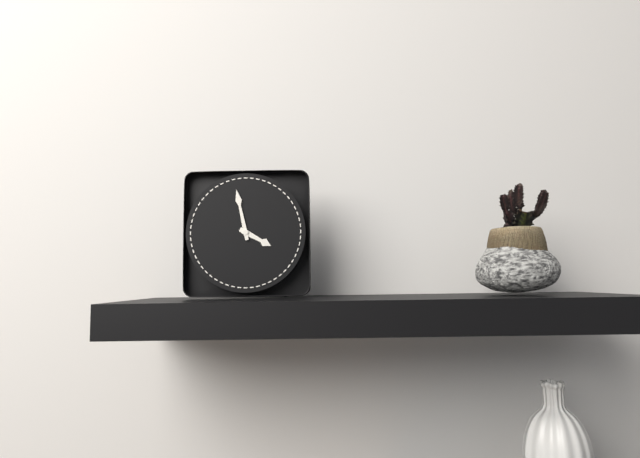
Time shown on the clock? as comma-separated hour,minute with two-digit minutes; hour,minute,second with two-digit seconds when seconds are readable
3,58
